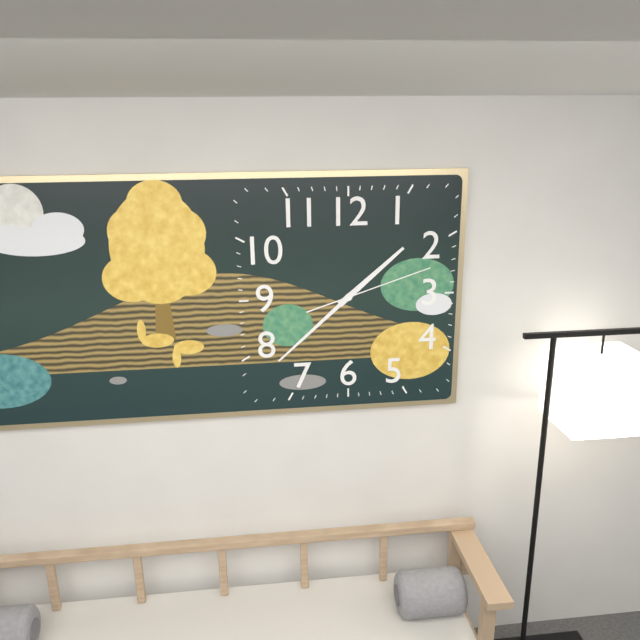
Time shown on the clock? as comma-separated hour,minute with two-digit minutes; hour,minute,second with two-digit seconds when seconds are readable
1,38,12
